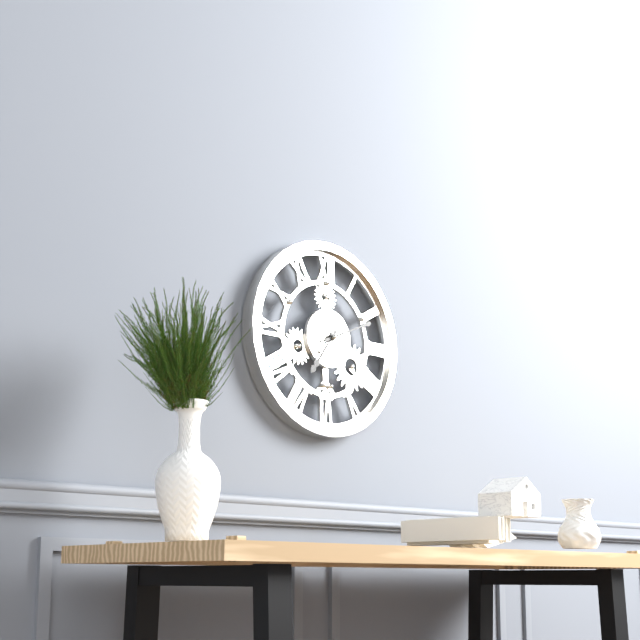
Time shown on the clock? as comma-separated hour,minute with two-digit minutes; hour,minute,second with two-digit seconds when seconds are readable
7,11
